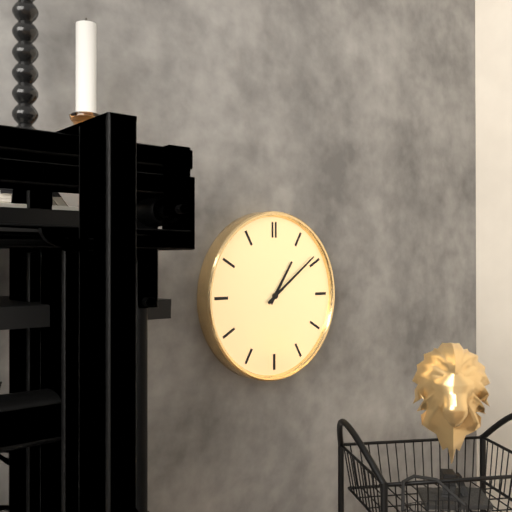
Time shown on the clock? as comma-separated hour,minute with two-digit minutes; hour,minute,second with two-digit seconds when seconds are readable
1,09
